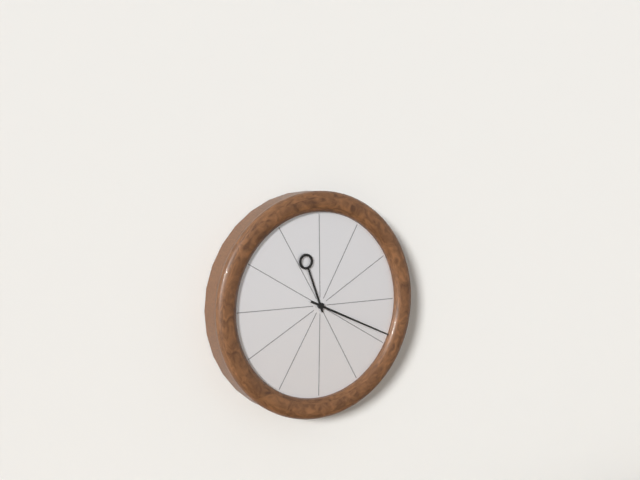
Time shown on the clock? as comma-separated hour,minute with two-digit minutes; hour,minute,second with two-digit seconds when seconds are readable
11,19
